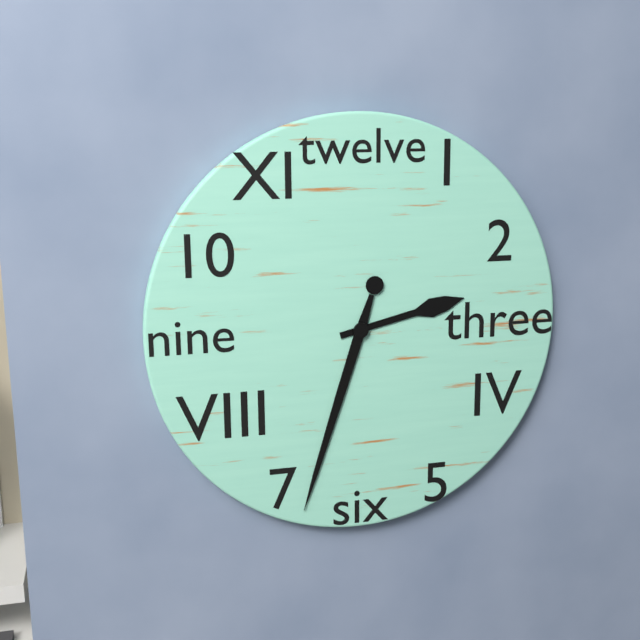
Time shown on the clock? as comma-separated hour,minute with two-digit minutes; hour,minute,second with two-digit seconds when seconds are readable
2,33
